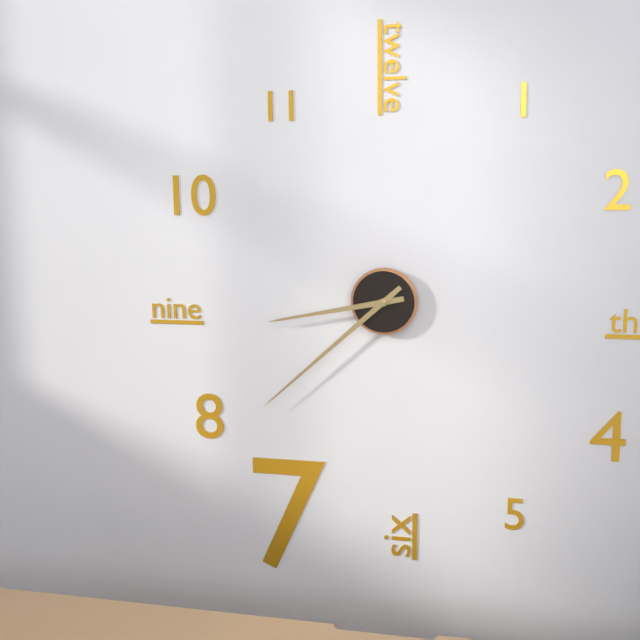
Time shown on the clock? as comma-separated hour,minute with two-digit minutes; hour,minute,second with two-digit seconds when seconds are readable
8,38
